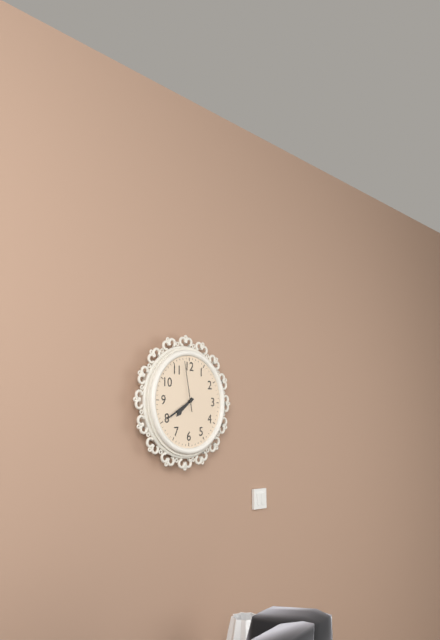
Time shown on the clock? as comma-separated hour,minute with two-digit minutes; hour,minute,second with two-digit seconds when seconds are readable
7,40,58
